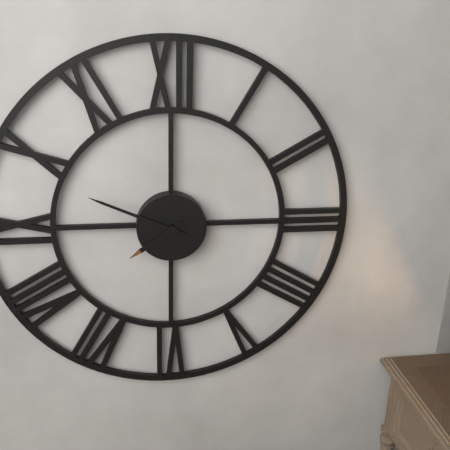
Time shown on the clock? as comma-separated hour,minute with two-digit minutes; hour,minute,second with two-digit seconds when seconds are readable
7,49
